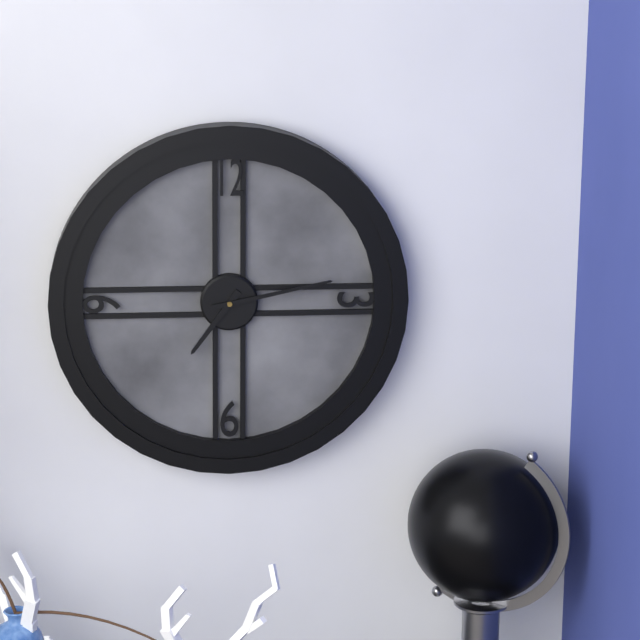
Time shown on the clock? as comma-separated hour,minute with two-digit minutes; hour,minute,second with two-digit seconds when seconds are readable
7,13
